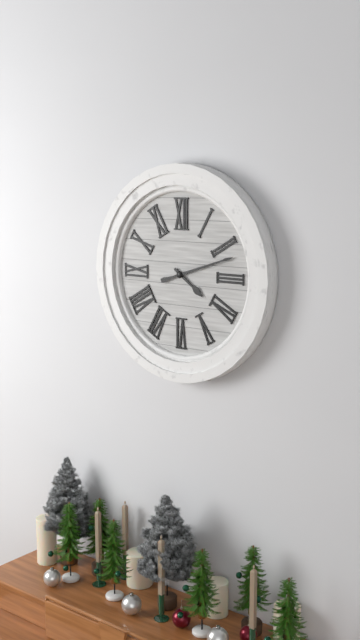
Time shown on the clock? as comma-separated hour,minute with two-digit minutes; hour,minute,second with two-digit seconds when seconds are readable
4,12
